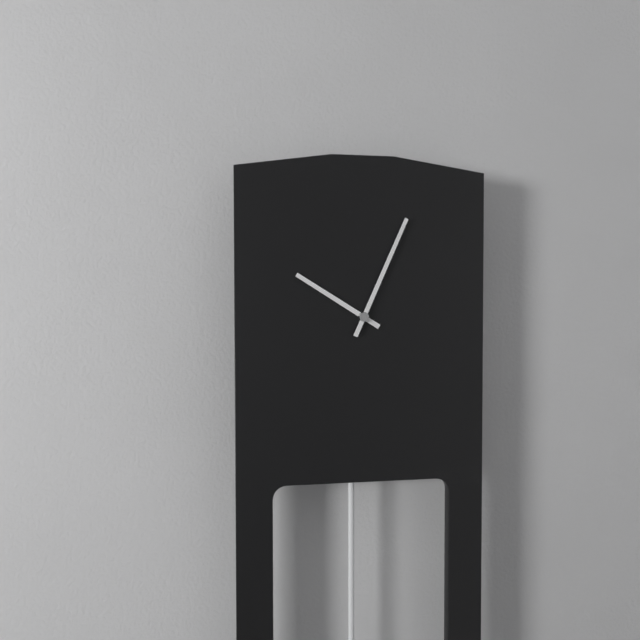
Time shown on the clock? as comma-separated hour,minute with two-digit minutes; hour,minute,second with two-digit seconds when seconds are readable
10,04
